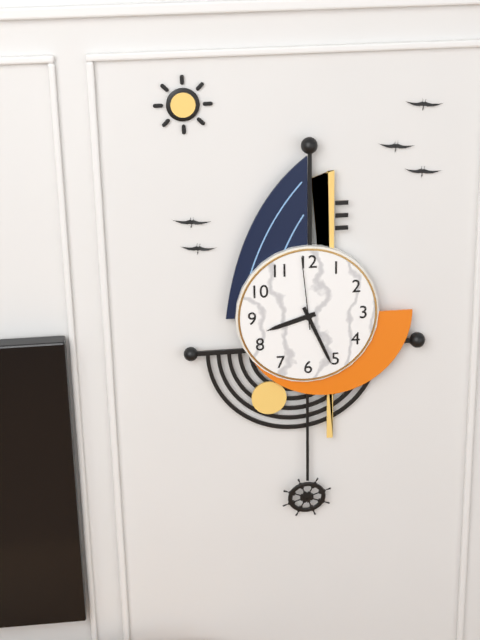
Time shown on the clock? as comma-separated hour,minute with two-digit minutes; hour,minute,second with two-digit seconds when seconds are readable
8,26,59
